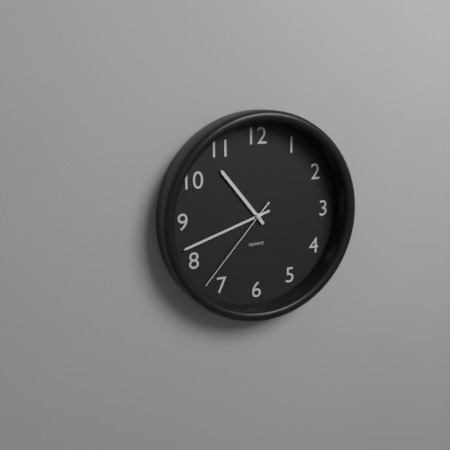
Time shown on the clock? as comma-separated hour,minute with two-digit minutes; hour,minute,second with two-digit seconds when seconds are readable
10,42,37
